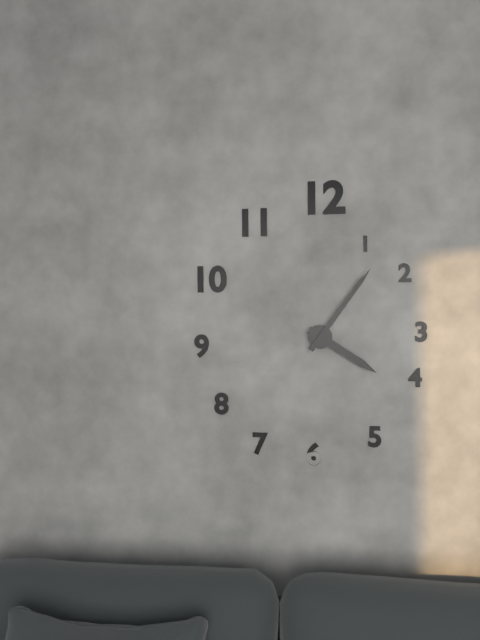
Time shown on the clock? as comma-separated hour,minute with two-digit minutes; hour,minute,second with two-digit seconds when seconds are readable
4,06
